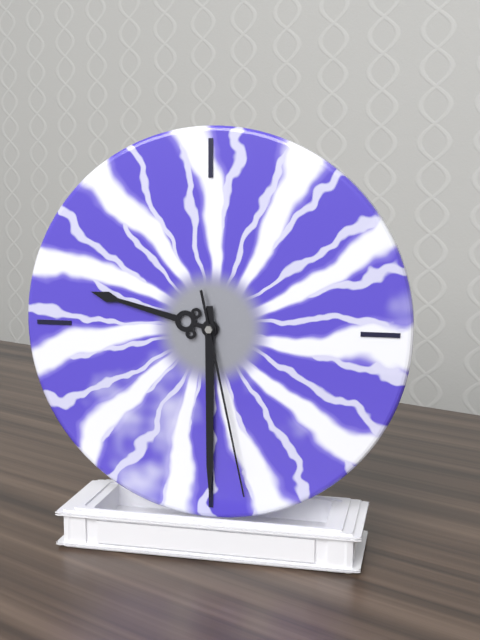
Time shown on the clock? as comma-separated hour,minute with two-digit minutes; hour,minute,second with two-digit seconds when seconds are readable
9,30,28
